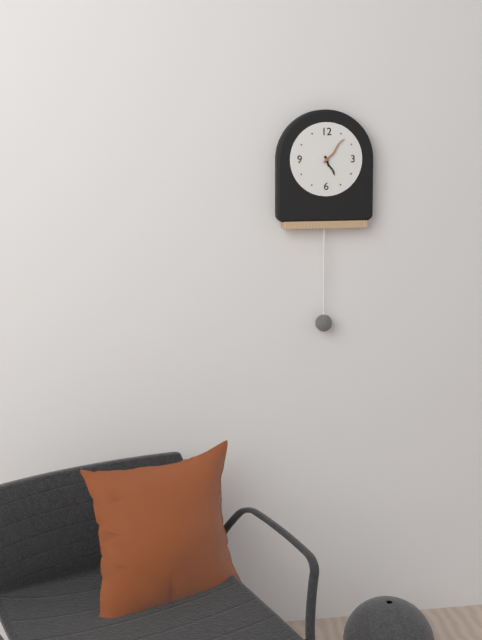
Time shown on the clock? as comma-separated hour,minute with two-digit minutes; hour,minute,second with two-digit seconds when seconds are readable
5,07
